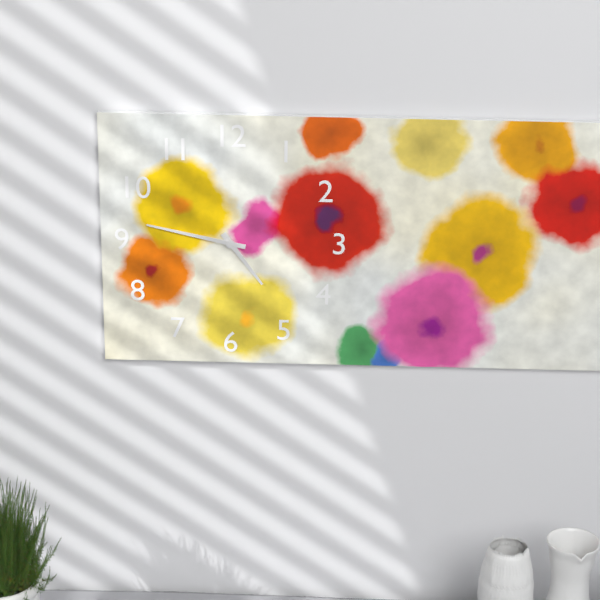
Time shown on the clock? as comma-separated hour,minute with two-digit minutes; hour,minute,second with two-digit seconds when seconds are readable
4,47
